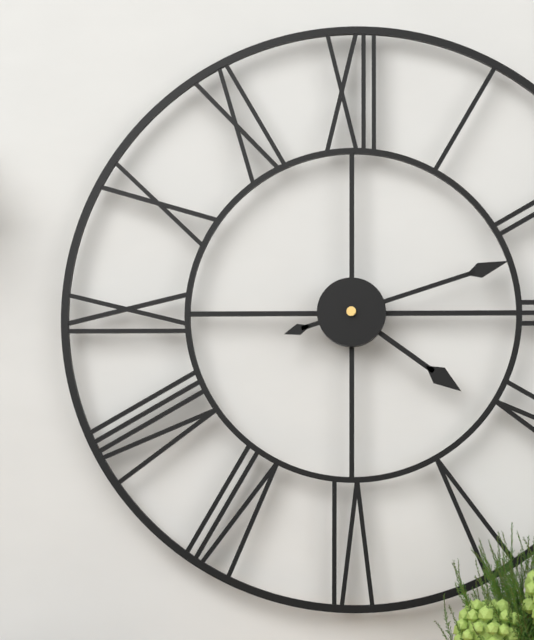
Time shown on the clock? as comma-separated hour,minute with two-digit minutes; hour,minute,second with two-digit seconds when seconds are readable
4,12
